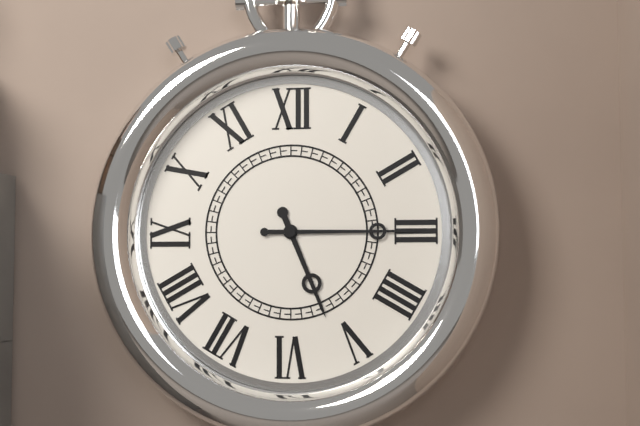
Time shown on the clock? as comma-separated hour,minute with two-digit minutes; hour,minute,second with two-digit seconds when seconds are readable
5,15
